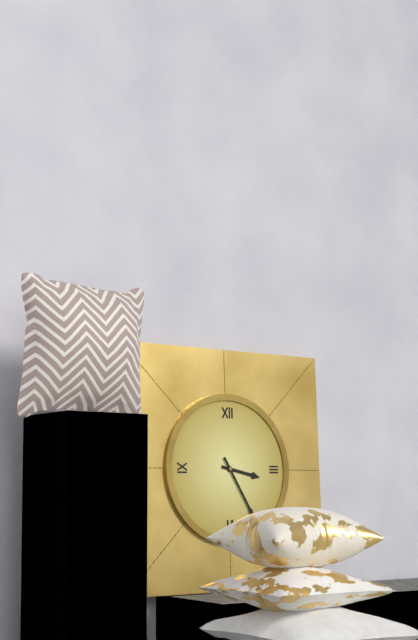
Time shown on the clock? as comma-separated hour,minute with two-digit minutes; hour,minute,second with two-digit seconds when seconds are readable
3,25
